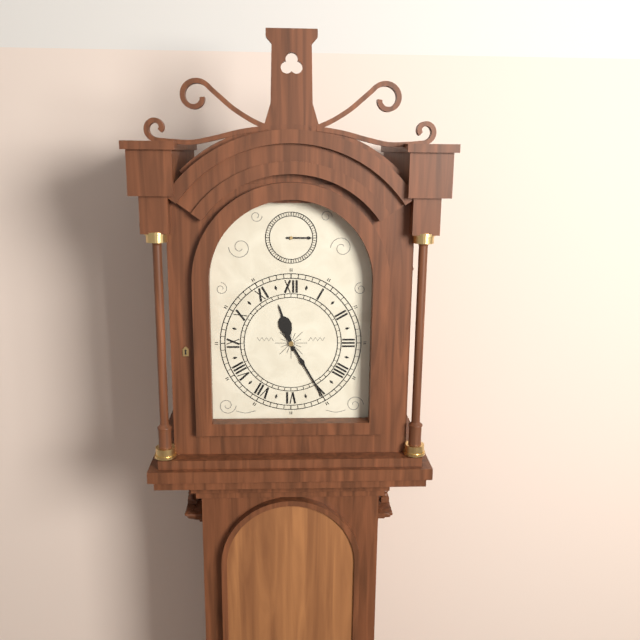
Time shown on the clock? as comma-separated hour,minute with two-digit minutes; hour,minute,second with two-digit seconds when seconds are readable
11,25
